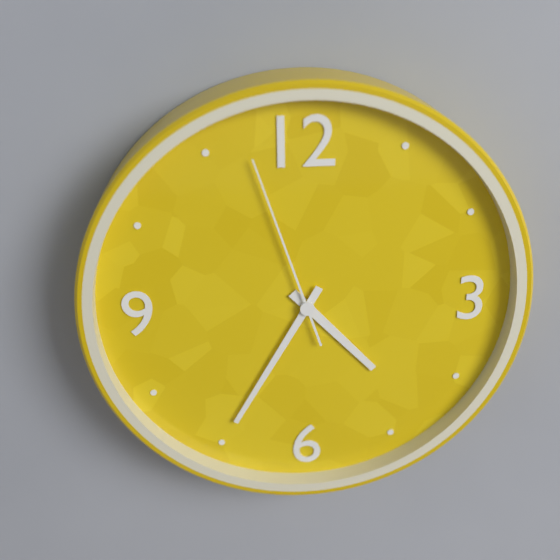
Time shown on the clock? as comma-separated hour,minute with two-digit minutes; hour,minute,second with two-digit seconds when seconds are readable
4,35,57
